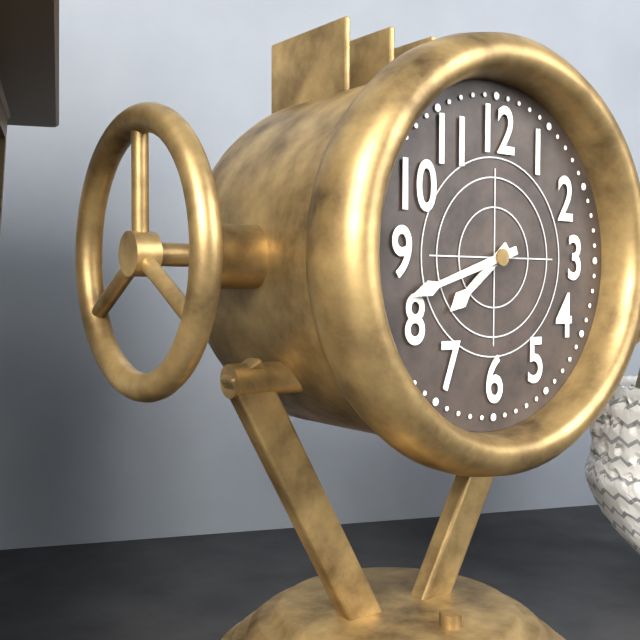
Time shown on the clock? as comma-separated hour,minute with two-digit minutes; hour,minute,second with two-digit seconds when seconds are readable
7,42
